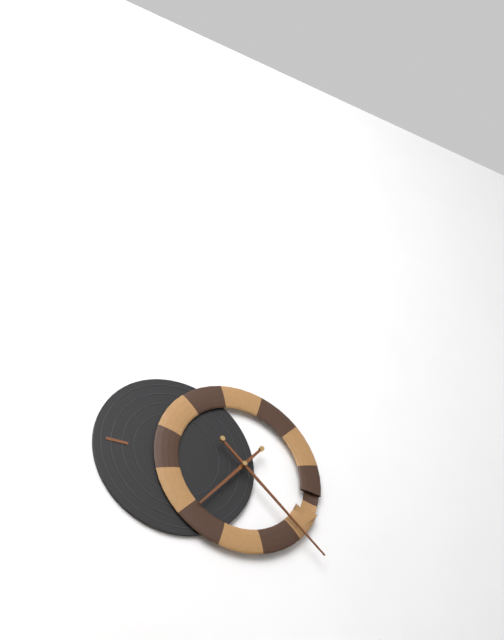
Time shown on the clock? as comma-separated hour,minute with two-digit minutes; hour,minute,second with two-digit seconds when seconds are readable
7,22
